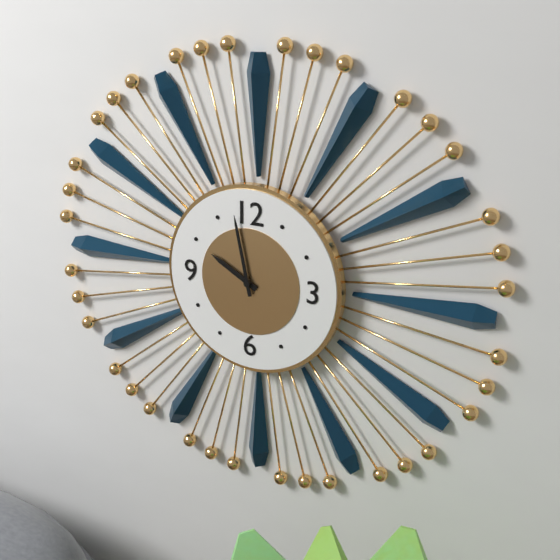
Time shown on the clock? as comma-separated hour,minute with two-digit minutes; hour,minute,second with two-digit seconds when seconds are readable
9,58
